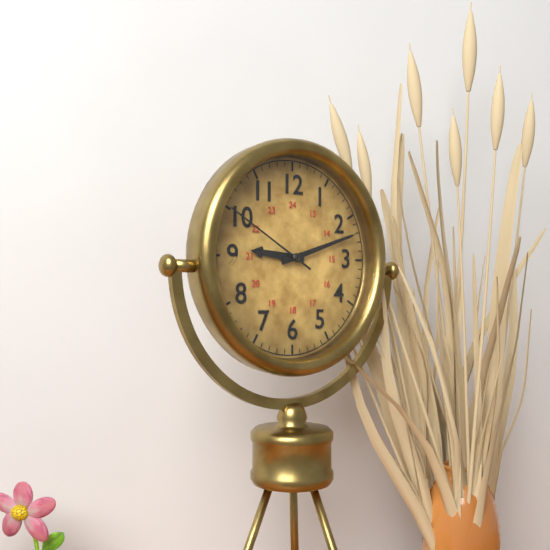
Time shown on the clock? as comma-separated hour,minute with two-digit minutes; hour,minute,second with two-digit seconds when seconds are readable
9,12,50
